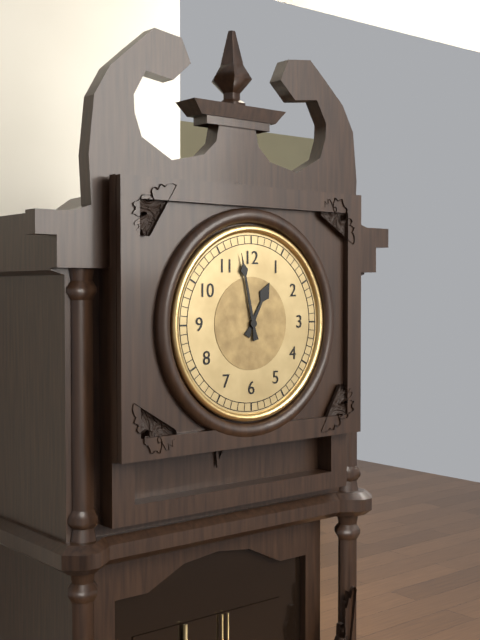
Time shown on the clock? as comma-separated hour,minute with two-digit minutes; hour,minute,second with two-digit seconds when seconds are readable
12,58
